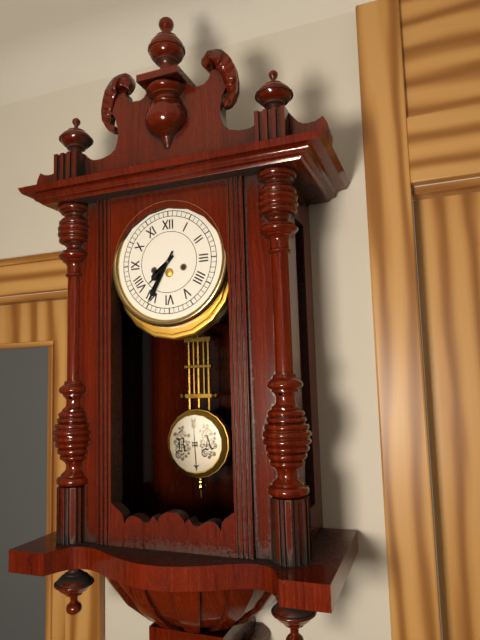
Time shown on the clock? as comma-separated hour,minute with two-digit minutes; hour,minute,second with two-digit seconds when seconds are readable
7,35
